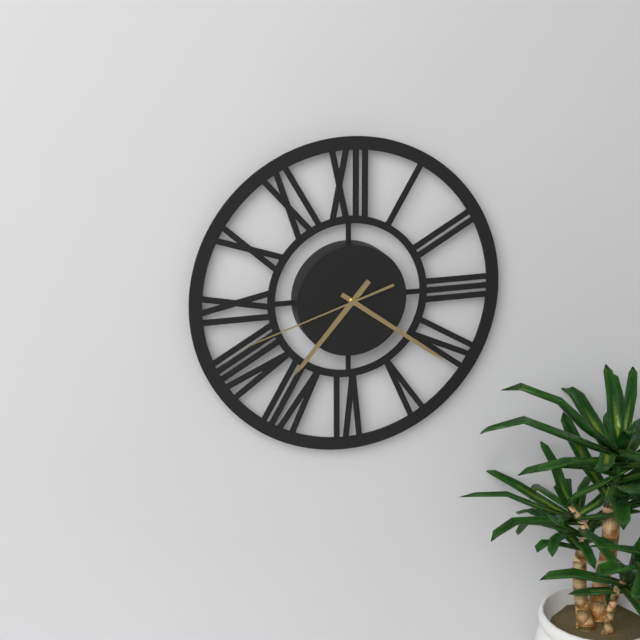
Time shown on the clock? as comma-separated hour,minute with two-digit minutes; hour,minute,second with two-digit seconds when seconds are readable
7,21,42
